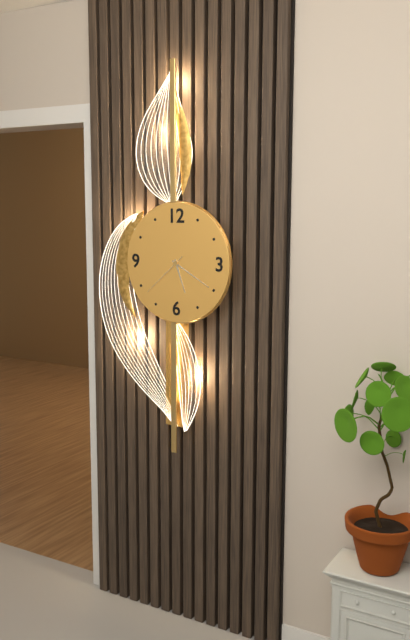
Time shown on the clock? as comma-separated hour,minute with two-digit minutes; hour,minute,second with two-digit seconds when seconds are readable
5,20,38
